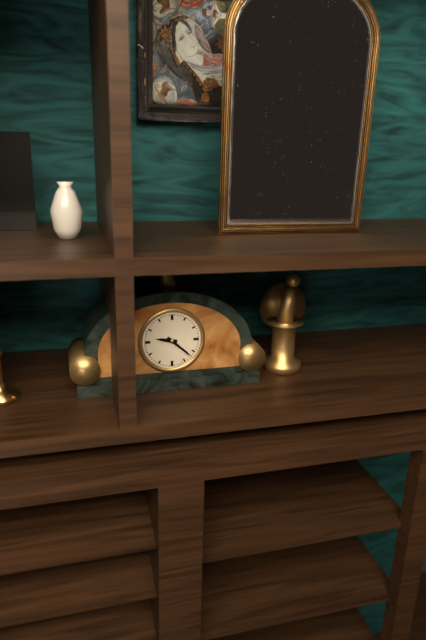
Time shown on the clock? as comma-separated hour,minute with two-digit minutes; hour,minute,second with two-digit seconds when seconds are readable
9,22
